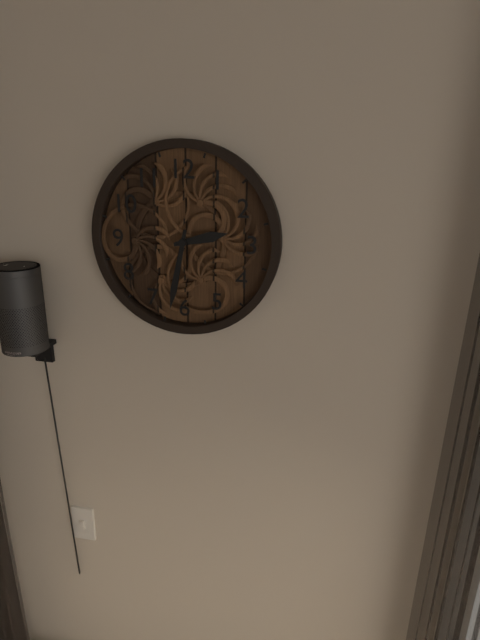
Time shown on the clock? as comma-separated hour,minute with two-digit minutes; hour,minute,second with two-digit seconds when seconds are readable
2,32
